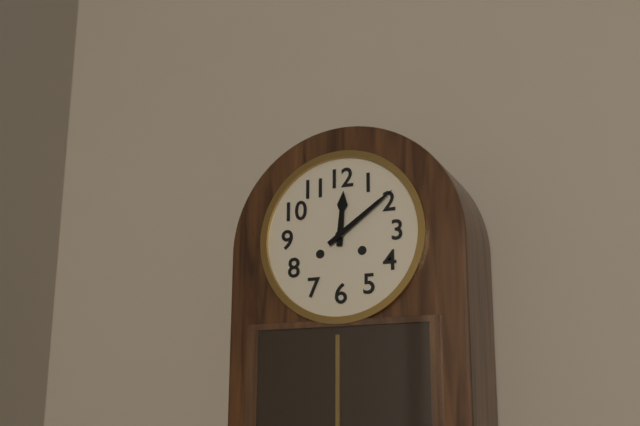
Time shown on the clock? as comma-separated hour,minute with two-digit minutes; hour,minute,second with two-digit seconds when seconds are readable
12,09
